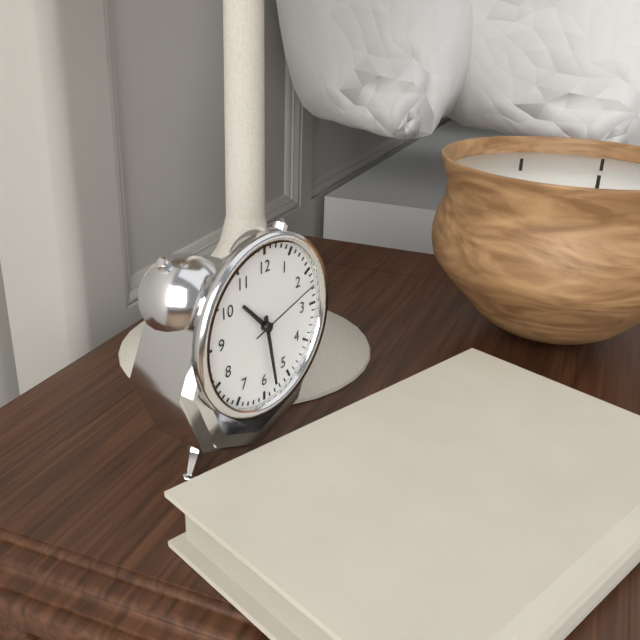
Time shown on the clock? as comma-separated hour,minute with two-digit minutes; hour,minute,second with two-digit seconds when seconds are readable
10,28,12
